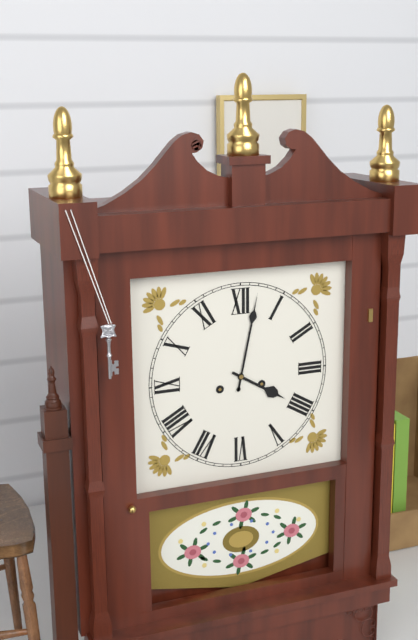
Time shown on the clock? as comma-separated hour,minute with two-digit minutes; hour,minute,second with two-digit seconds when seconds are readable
4,02
